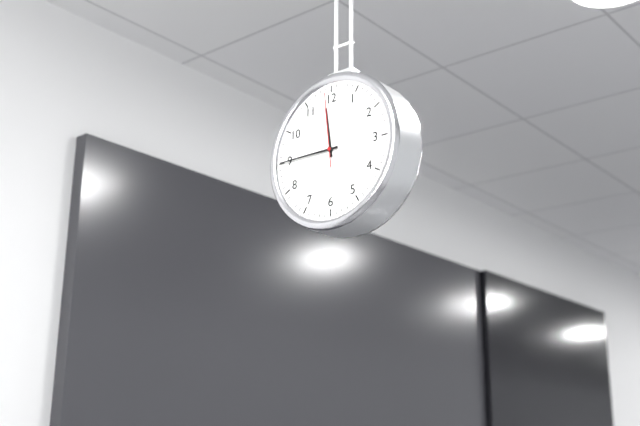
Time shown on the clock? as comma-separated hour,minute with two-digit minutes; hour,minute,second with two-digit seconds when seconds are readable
11,45,59
